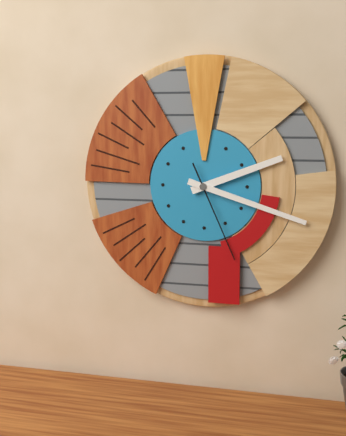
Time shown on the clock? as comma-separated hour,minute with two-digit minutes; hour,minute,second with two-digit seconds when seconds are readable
2,18,26
